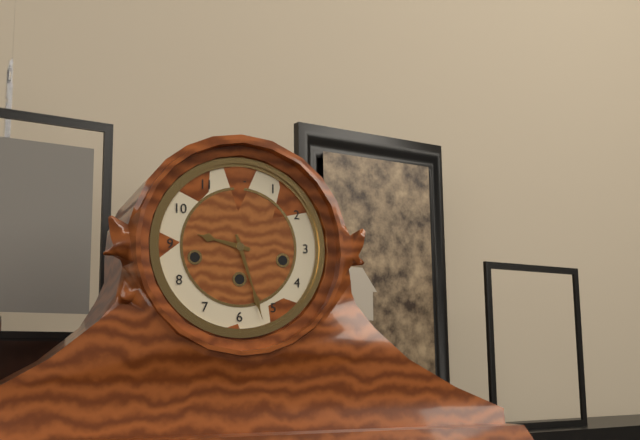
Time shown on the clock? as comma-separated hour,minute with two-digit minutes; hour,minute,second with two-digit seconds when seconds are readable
9,27
